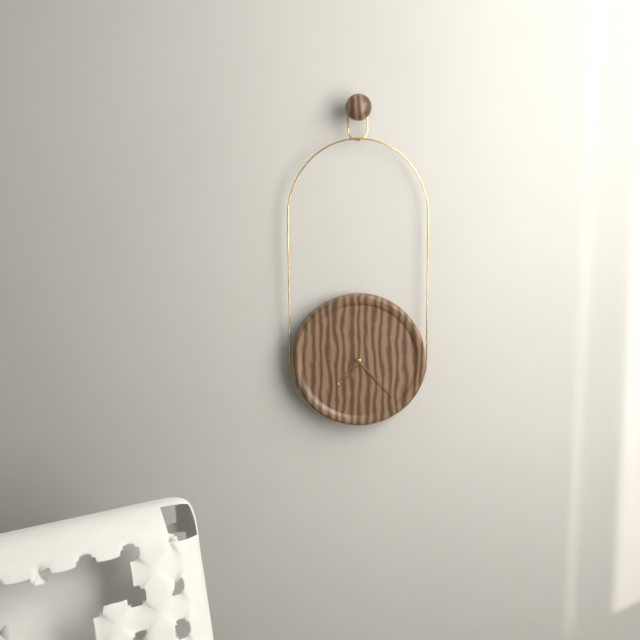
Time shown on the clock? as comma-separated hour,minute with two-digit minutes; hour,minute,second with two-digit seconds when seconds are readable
7,23
